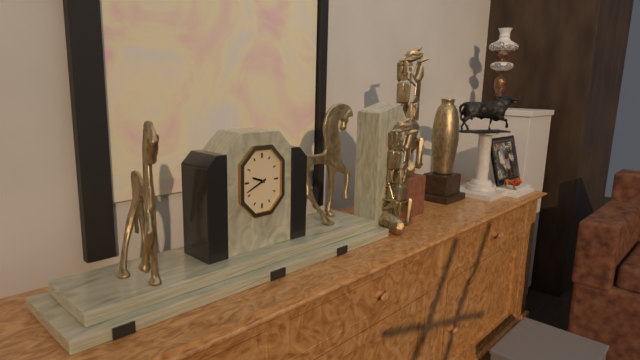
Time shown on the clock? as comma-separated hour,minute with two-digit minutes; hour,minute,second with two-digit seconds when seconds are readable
9,41
